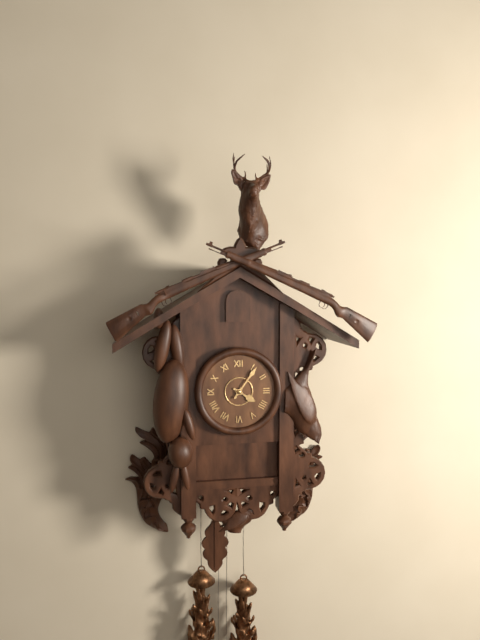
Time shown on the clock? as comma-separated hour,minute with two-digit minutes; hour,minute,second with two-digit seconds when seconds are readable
4,06
